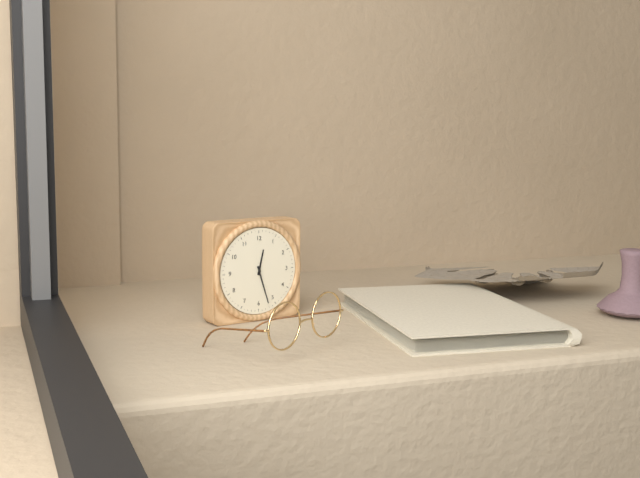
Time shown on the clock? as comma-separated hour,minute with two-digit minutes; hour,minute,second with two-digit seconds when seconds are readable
12,27
